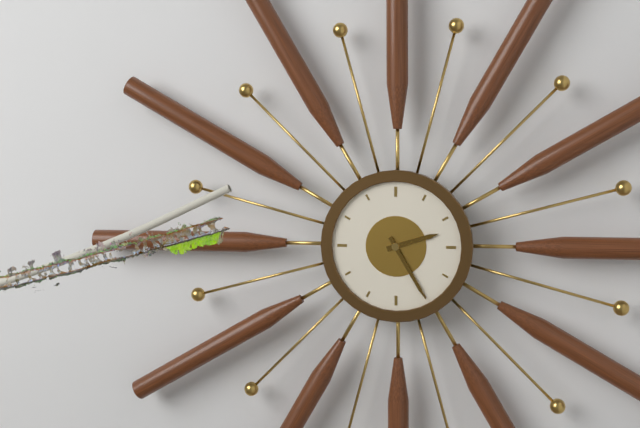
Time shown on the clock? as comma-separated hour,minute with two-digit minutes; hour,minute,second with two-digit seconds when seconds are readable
2,25
